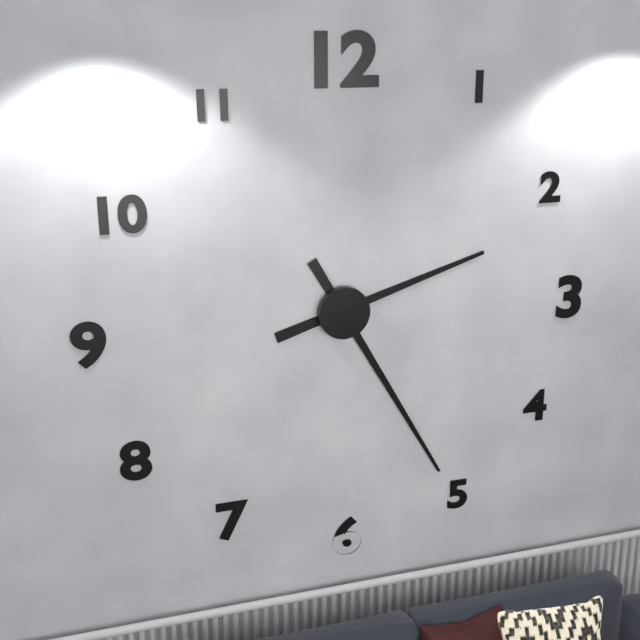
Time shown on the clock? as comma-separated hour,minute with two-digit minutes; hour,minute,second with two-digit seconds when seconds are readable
2,25
